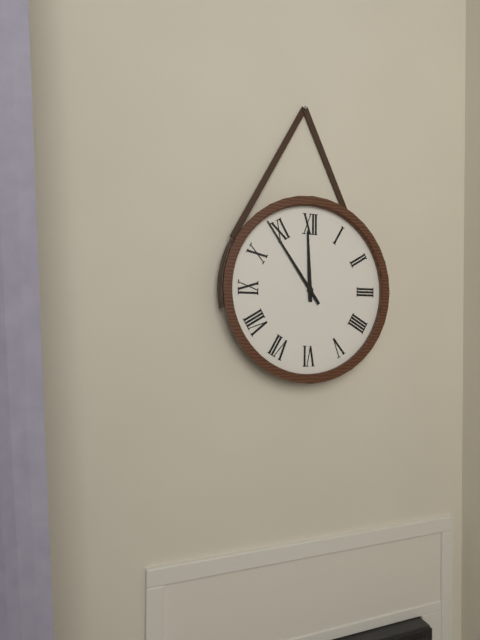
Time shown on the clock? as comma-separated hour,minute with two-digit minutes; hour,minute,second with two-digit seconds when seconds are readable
11,54
